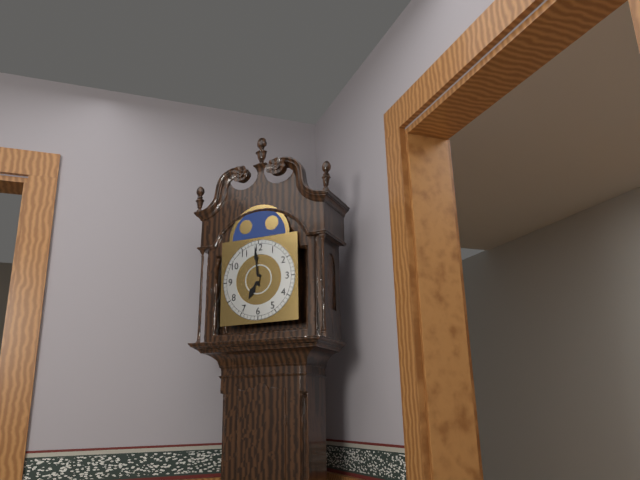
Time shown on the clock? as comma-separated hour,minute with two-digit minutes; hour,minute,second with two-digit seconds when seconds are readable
6,59
